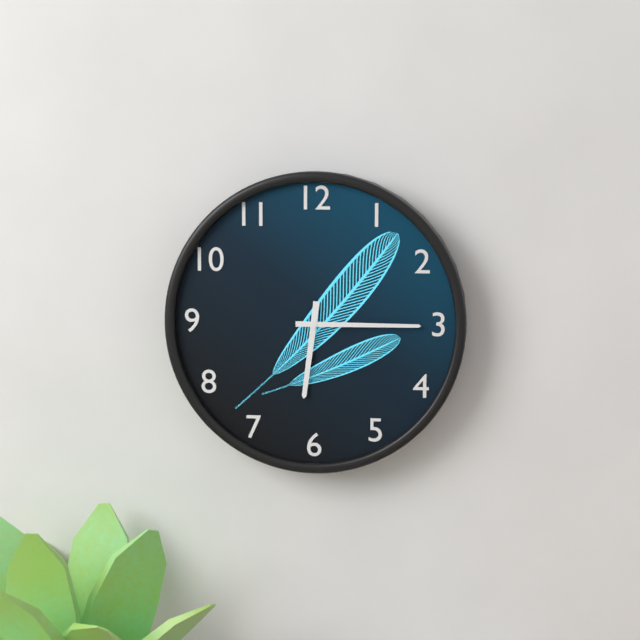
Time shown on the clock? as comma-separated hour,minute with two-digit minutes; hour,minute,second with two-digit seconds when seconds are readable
6,15
